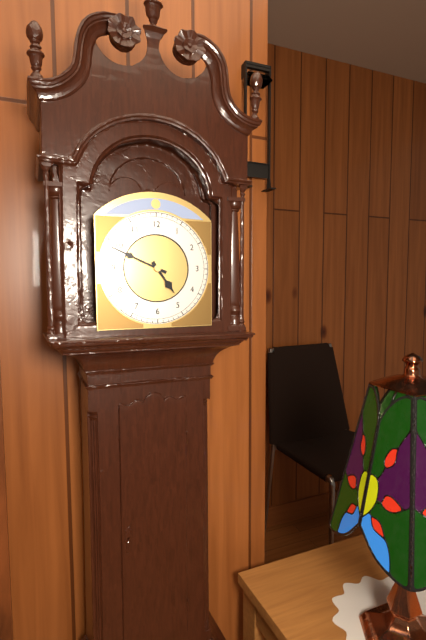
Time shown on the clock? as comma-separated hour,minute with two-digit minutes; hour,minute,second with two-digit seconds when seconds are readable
4,49
